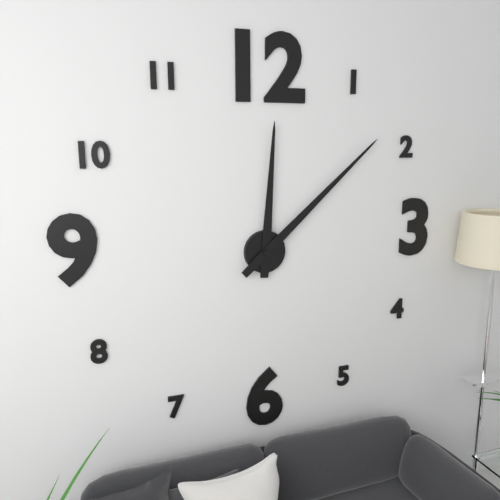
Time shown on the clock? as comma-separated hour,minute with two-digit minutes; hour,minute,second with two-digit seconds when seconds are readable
12,08
